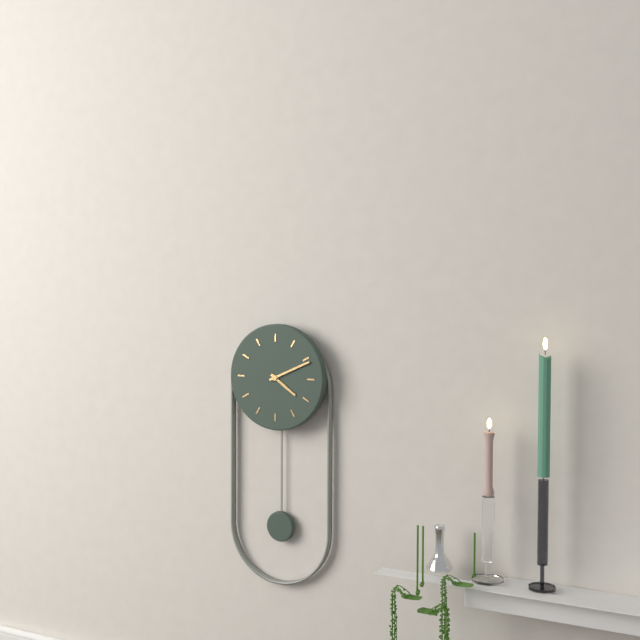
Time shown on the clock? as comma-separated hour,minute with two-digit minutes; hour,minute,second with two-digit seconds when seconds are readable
4,11
